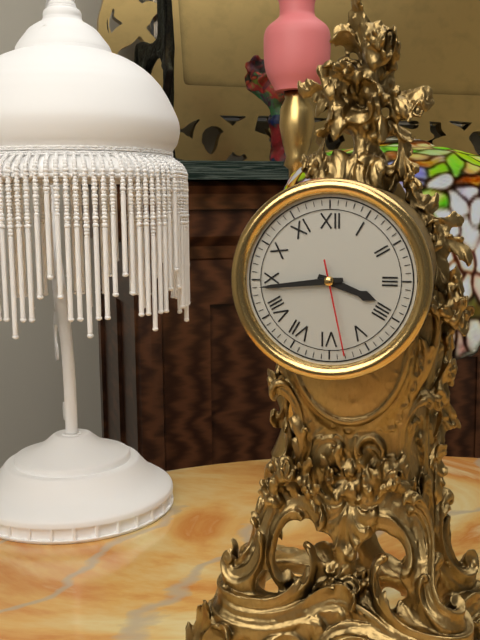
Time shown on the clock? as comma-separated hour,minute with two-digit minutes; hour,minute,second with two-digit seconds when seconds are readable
3,44,28
